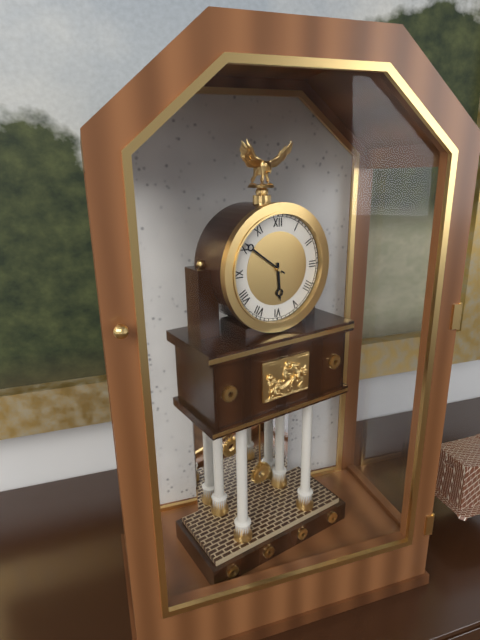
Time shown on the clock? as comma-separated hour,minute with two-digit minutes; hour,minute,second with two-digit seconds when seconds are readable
5,51
